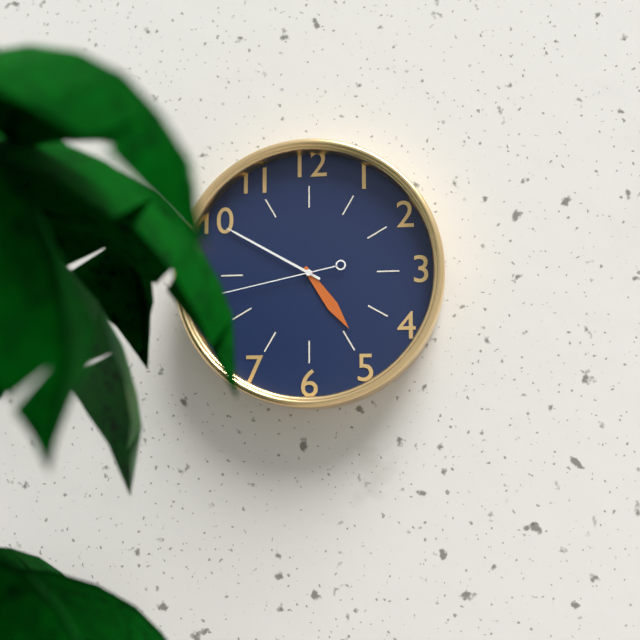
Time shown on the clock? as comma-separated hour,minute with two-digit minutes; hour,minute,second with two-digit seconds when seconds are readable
4,50,43
